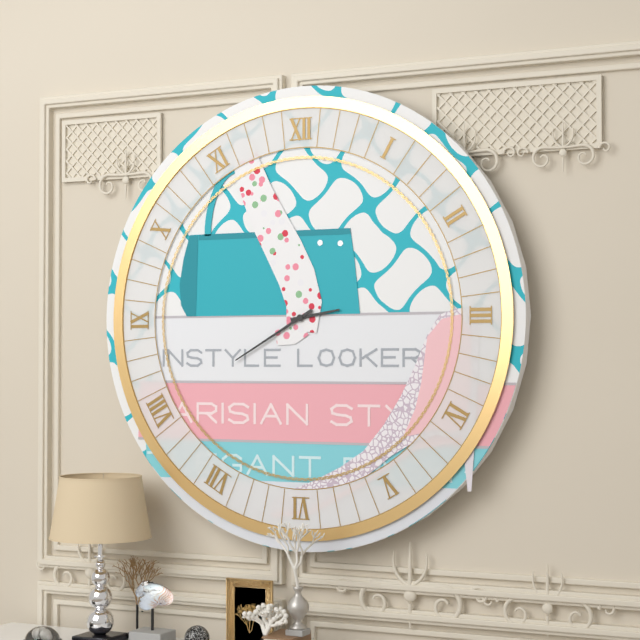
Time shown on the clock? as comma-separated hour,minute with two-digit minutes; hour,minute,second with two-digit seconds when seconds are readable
2,40
